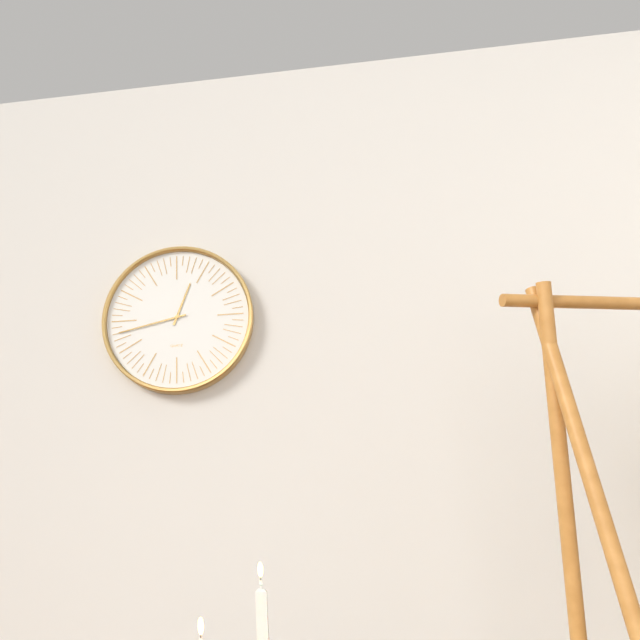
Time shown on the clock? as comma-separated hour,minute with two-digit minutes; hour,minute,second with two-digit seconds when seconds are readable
12,43
